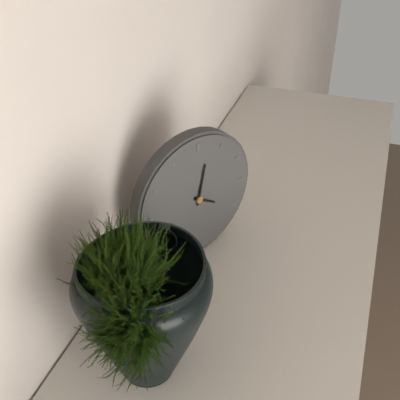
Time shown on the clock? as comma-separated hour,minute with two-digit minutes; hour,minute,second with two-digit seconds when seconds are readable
4,02
